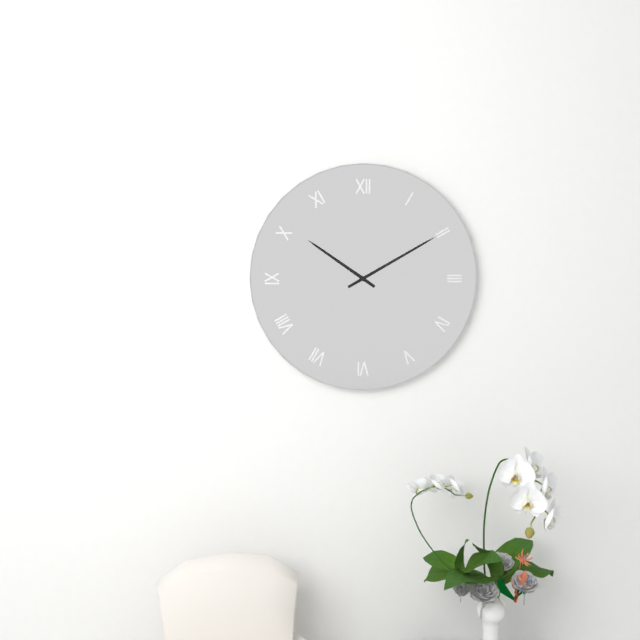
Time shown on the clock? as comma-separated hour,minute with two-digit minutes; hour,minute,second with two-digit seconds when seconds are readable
10,10
